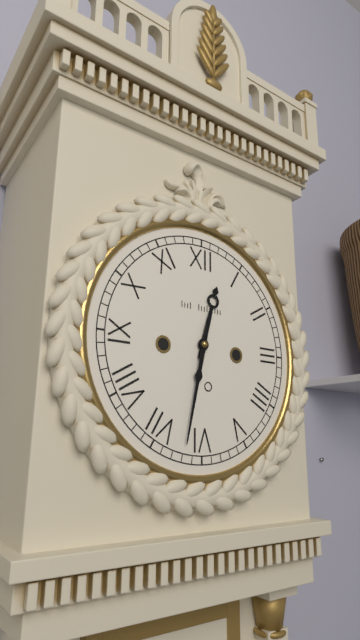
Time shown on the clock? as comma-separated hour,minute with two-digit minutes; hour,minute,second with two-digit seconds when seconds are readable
12,32
